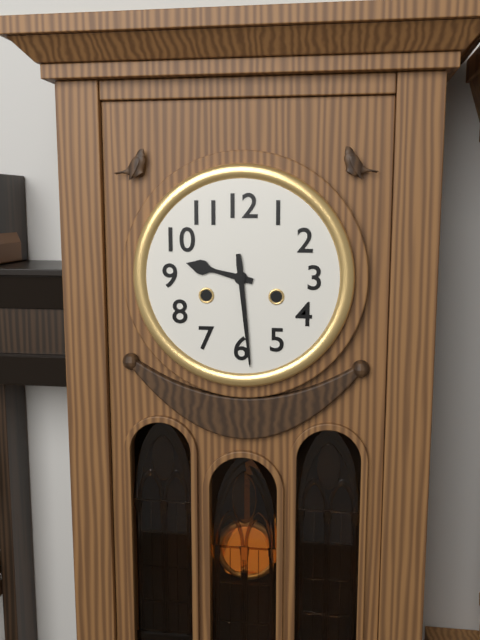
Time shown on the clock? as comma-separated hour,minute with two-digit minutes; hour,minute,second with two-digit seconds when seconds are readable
9,29
